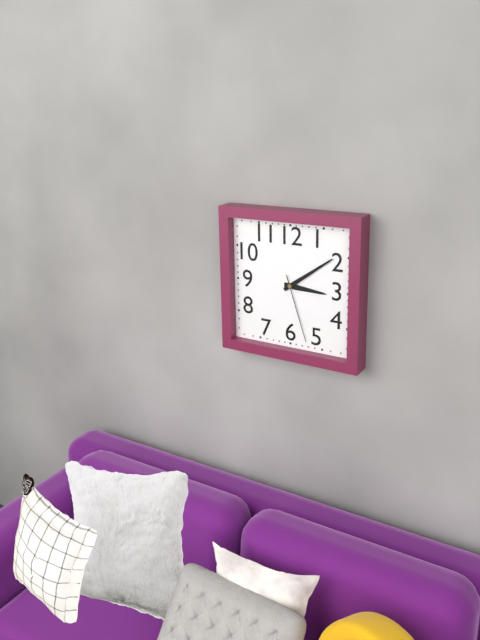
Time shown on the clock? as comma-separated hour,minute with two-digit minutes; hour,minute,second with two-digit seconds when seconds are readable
3,09,27
